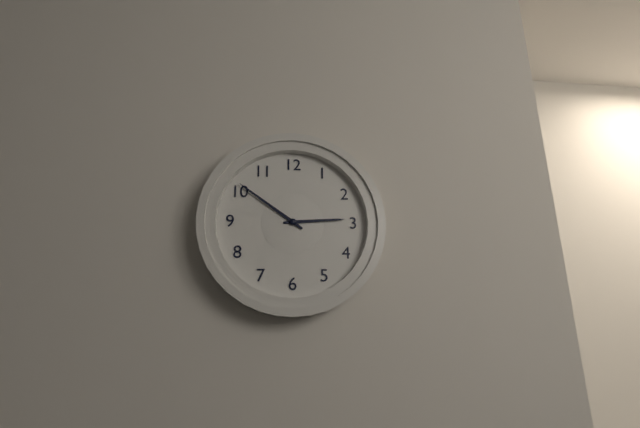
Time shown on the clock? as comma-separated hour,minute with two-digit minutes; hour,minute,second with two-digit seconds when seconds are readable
2,51
